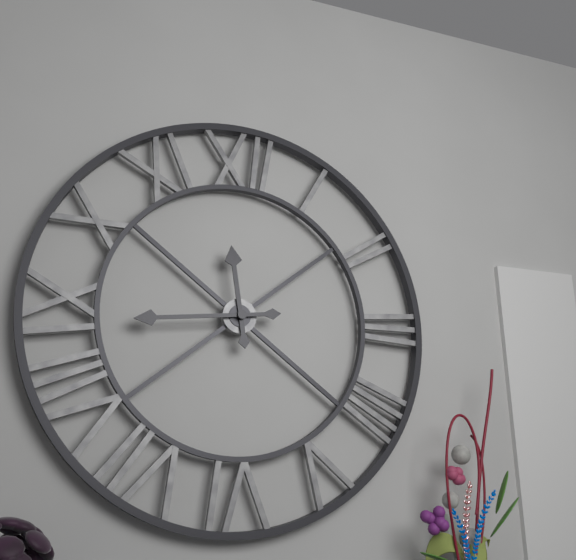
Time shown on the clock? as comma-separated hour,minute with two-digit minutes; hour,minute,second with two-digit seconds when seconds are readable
11,44
